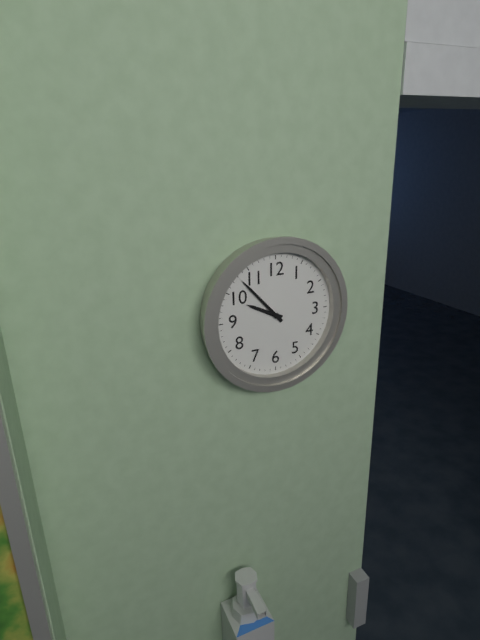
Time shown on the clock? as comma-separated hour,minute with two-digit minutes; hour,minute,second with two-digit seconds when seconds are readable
9,53
